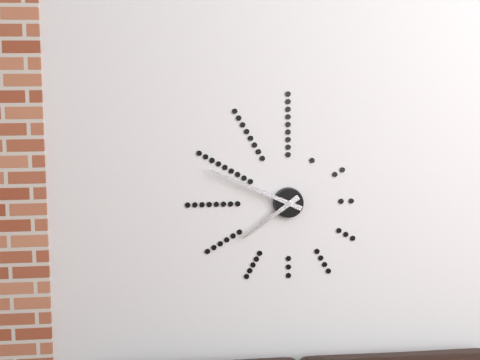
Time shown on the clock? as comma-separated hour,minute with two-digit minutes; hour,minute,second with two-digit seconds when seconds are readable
7,49
